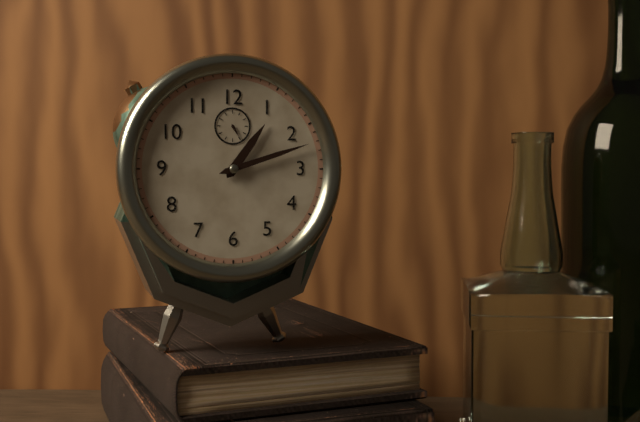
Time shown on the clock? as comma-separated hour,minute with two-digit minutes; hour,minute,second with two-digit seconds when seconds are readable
1,12
